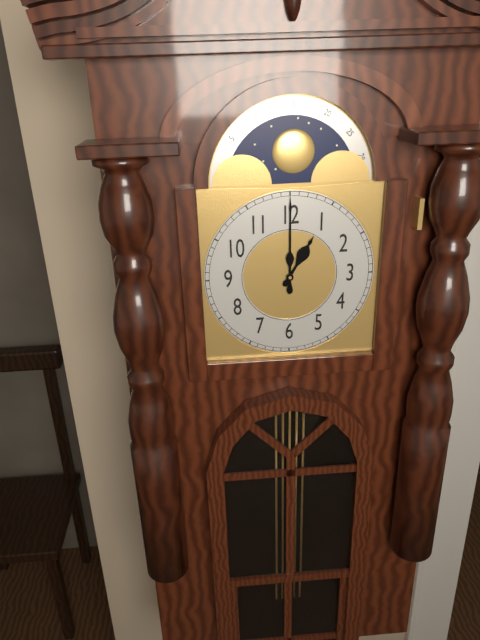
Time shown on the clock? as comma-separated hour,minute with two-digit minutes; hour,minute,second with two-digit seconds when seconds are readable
1,00
